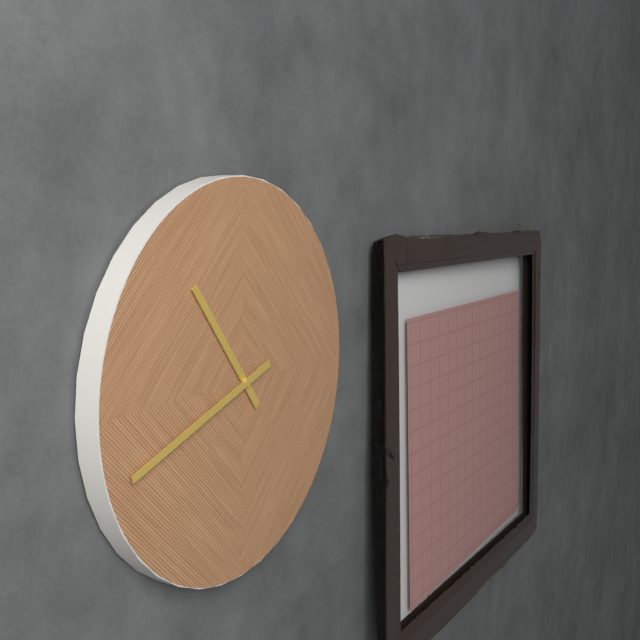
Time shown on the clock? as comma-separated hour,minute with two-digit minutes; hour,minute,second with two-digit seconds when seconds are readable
10,42
